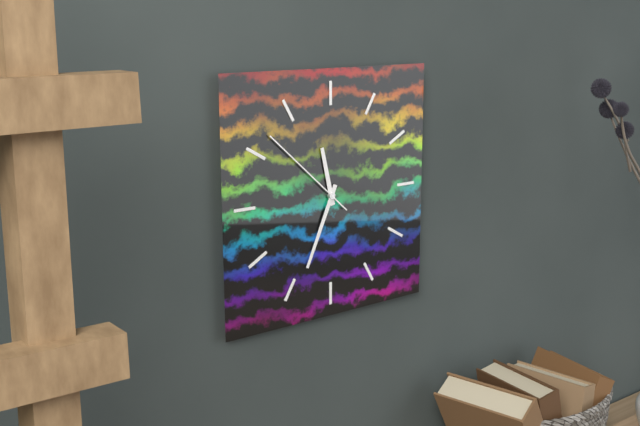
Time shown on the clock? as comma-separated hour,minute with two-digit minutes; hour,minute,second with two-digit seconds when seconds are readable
11,34,52
